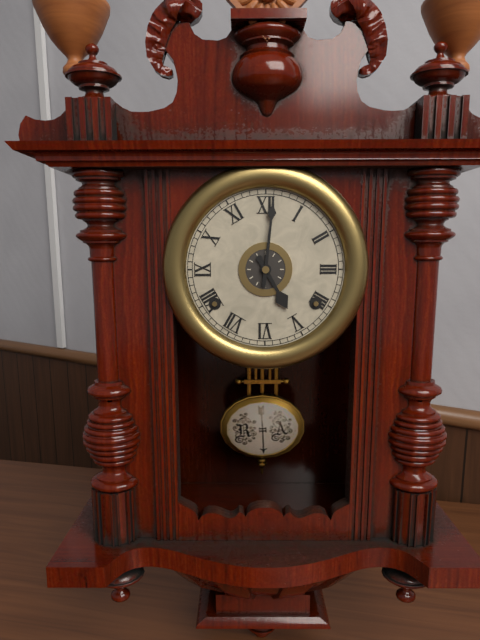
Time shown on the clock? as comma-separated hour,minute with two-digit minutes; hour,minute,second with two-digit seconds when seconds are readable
5,01
